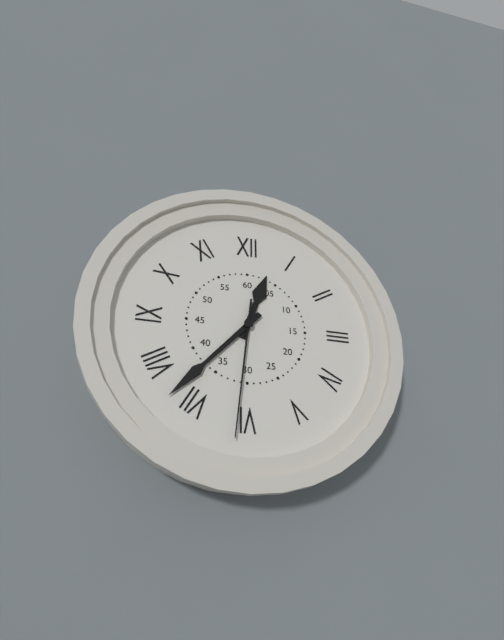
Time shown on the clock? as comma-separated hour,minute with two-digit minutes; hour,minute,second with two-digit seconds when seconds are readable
12,37,31
